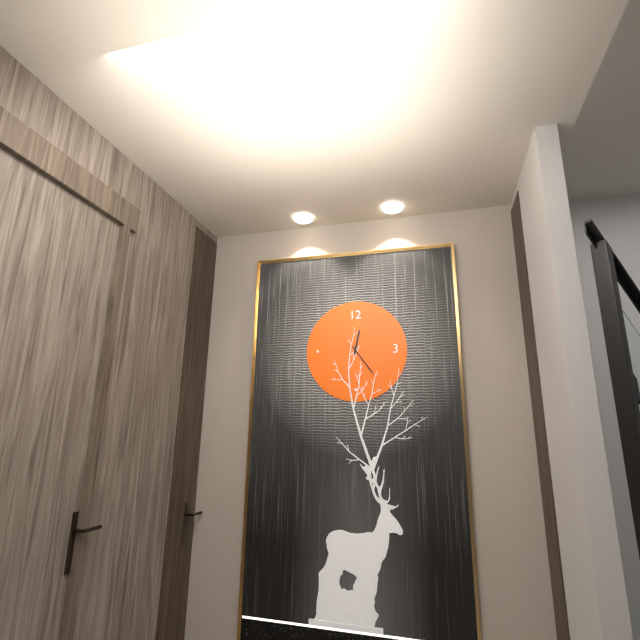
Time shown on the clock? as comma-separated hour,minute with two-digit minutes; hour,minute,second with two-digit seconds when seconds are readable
12,24
